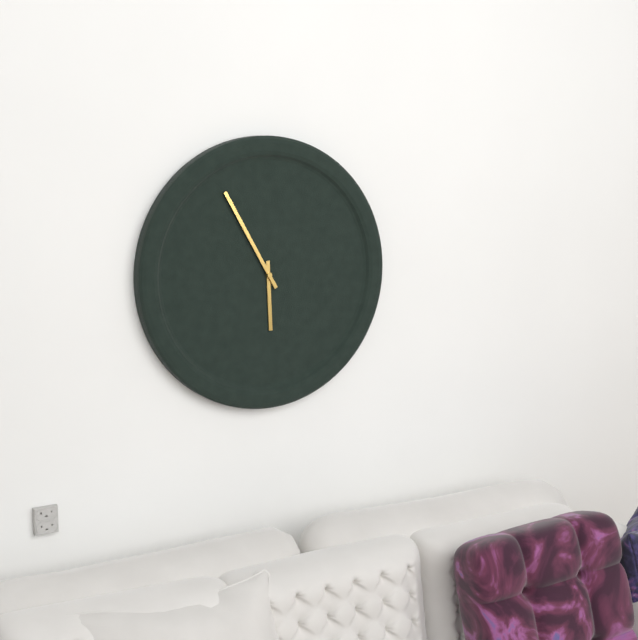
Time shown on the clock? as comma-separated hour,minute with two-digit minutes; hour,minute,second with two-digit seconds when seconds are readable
5,55
